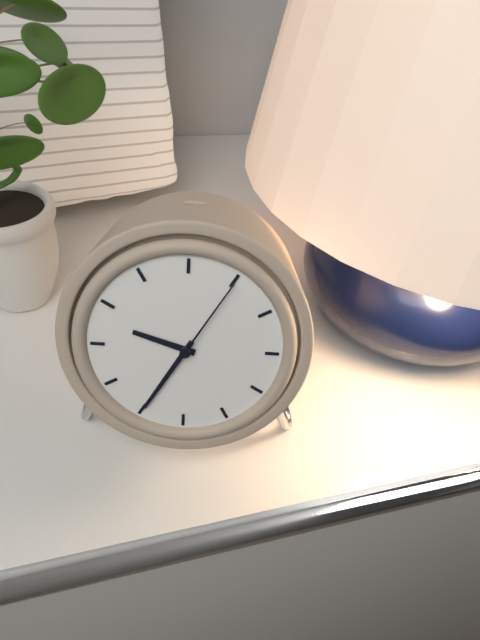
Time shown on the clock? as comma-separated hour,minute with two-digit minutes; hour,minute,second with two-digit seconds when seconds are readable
9,35,05
